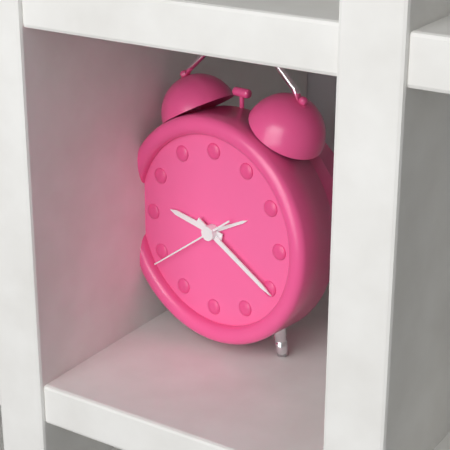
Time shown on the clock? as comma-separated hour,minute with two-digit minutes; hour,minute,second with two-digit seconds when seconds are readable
9,20,39
